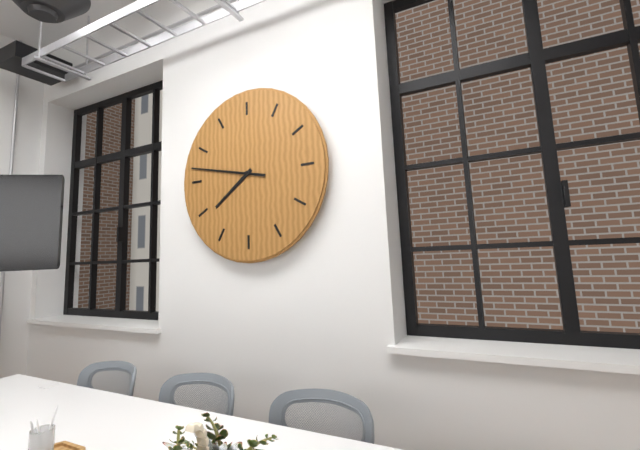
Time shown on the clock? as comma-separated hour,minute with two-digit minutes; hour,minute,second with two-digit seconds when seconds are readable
7,47
